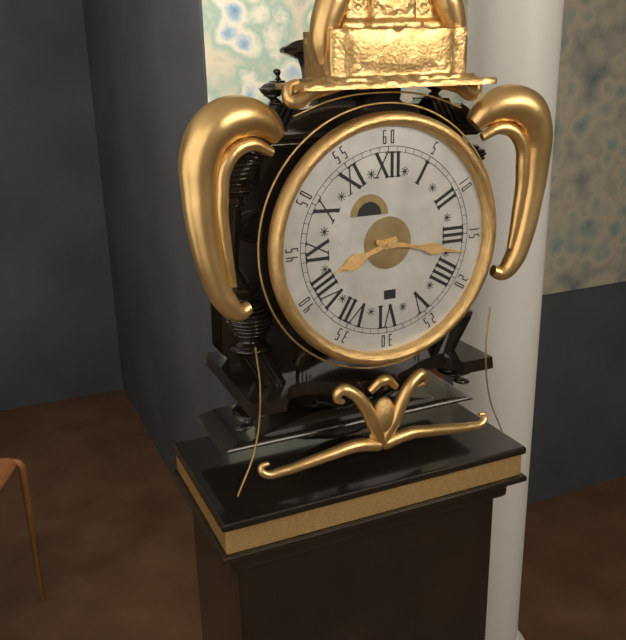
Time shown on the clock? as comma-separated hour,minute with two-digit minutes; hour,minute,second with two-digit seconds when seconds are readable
8,17
